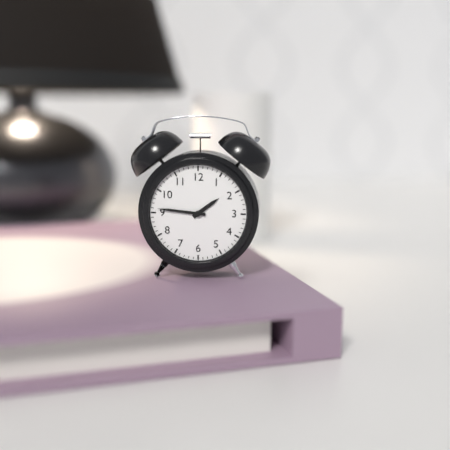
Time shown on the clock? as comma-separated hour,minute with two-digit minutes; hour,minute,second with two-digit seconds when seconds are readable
1,46
